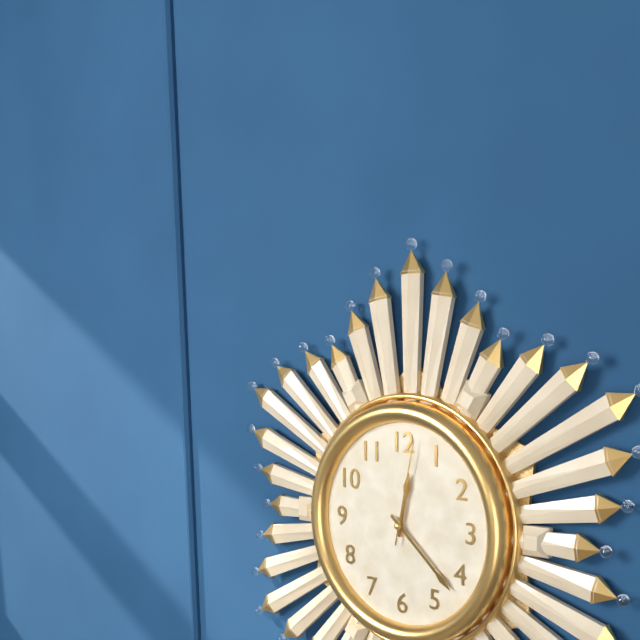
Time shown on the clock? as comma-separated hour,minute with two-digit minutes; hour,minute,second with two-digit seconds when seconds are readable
12,22,02
